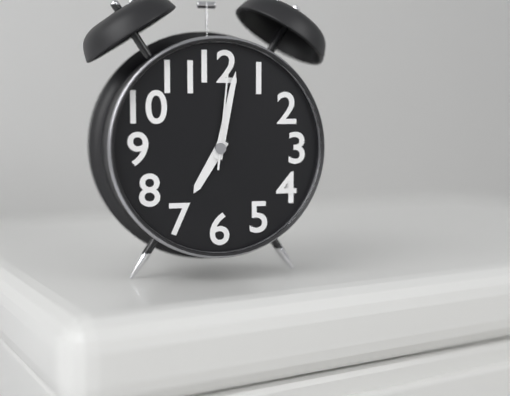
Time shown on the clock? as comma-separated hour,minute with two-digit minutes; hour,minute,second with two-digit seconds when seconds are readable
7,02,01
